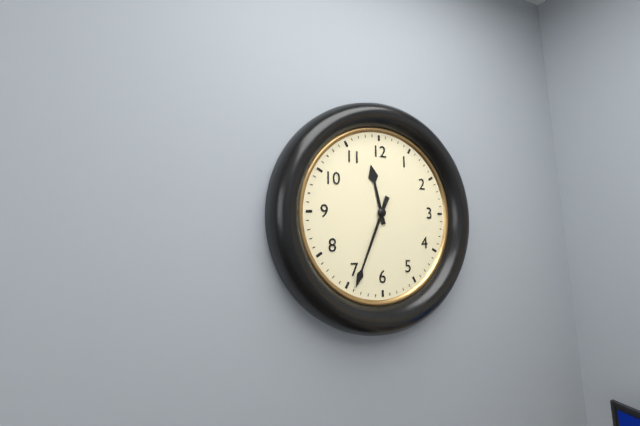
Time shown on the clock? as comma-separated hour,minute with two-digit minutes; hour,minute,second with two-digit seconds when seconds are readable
11,34
